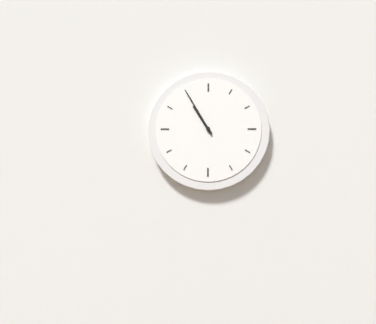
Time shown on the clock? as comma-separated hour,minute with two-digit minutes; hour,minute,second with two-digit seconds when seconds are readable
10,55
